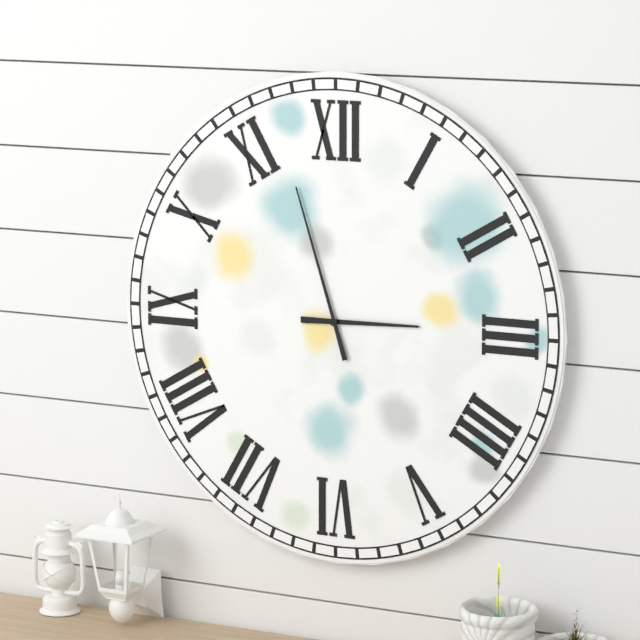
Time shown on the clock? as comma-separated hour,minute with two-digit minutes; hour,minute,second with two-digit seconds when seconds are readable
2,57
